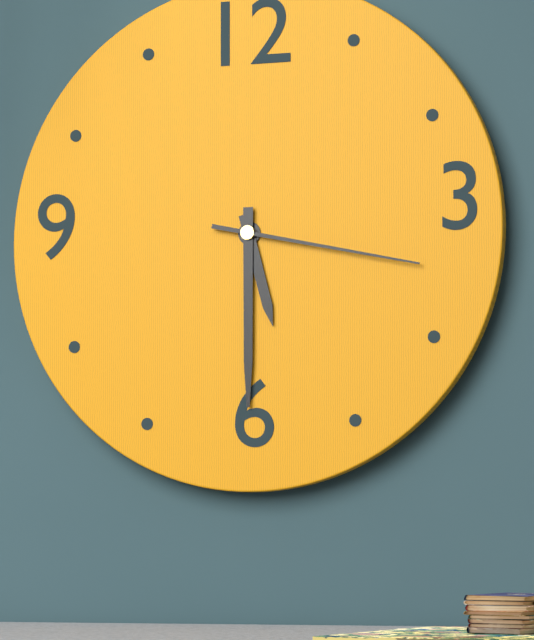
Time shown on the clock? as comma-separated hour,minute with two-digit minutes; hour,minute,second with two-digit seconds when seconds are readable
5,30,17
